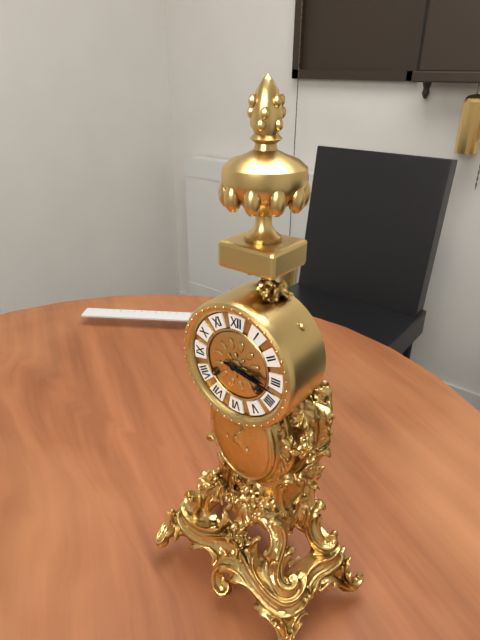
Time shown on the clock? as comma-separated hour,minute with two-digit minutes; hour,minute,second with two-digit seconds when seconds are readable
3,17
